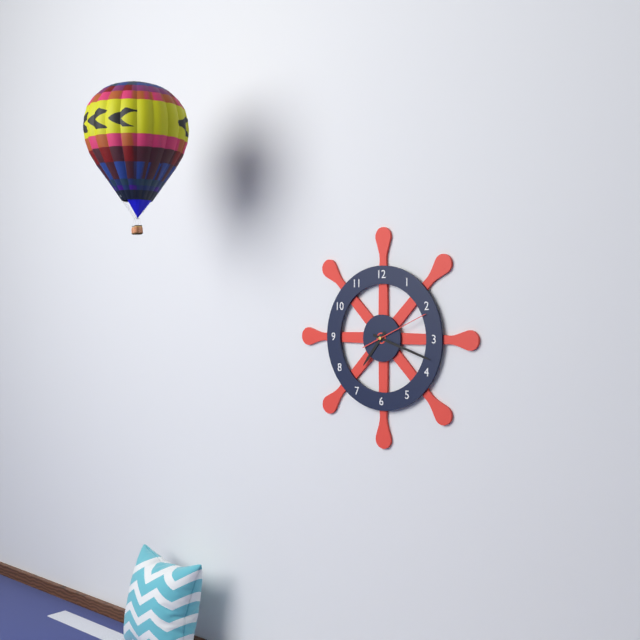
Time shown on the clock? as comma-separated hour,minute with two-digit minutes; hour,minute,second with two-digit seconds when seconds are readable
7,18,11
